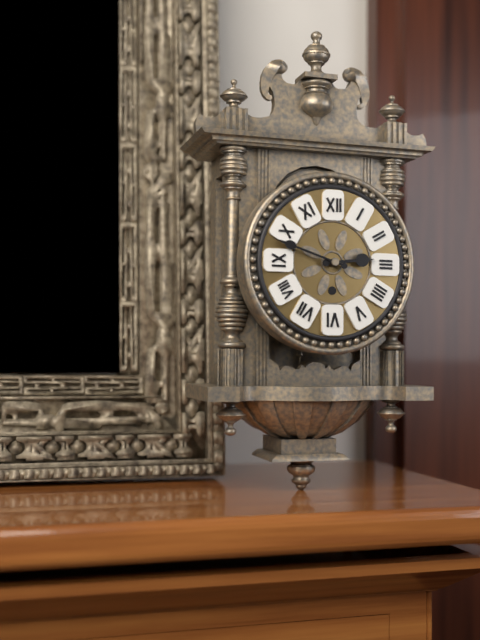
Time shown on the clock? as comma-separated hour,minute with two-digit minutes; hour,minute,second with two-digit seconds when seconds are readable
2,48
